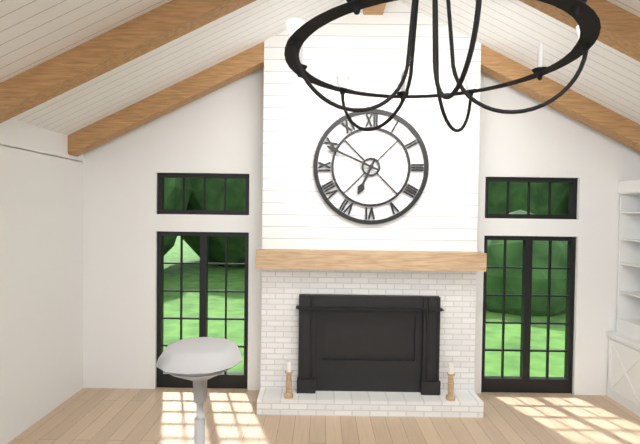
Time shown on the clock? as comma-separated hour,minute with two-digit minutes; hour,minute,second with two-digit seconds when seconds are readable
6,49
